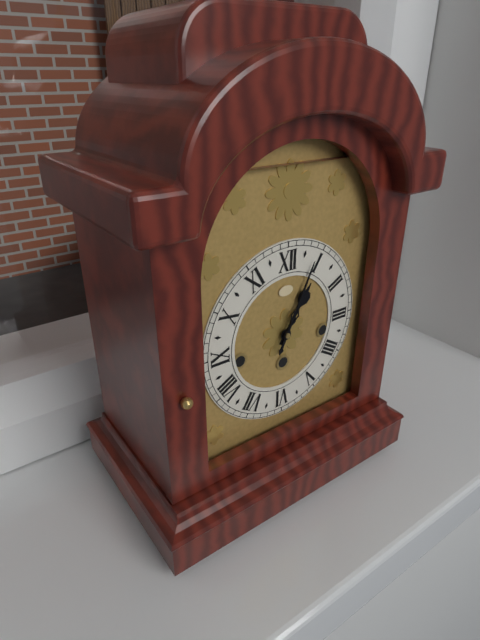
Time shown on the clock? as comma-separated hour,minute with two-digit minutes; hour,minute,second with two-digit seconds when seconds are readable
1,04
